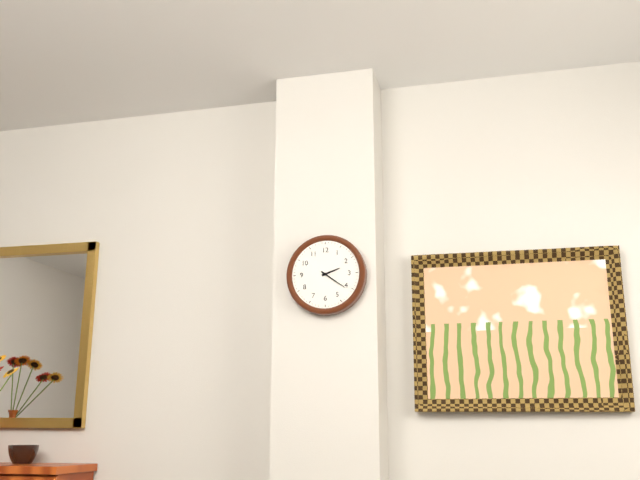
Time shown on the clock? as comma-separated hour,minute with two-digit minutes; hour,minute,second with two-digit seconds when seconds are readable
2,21
